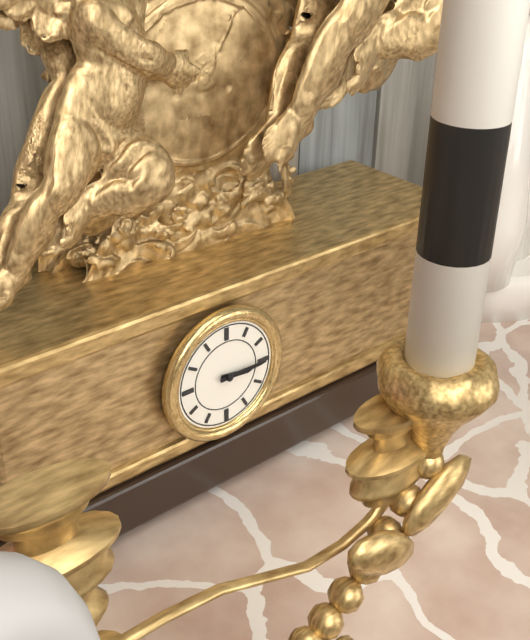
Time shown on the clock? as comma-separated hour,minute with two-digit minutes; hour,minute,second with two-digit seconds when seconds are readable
3,15
